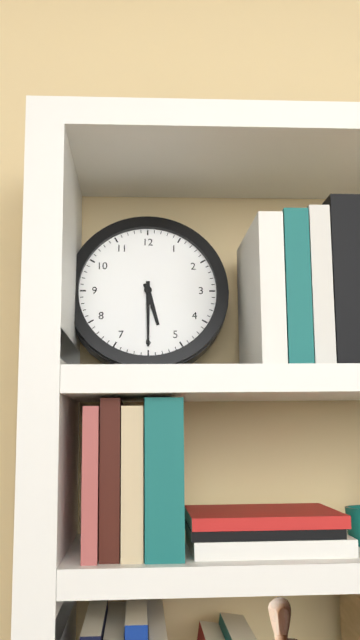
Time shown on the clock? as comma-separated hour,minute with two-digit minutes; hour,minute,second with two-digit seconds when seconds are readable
5,30
